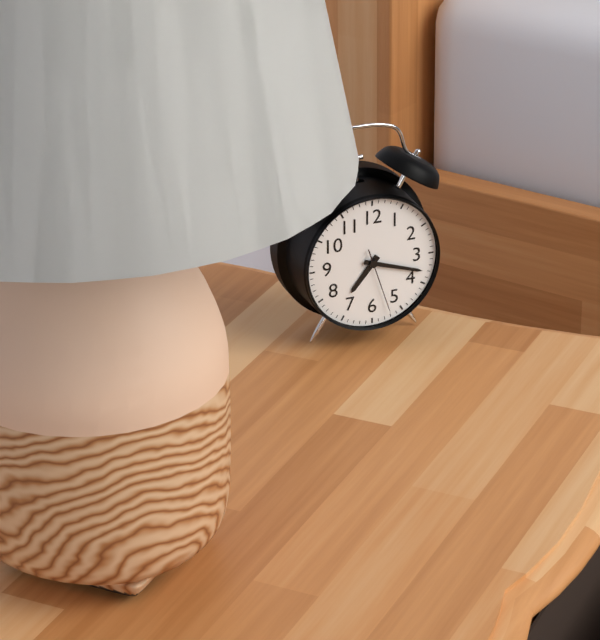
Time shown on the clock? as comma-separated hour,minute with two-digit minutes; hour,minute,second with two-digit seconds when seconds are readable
7,18,27
